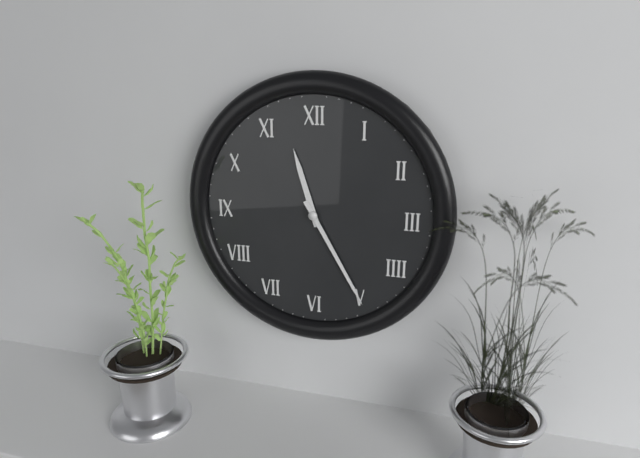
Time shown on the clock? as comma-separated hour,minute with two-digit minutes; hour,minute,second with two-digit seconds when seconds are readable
11,25
